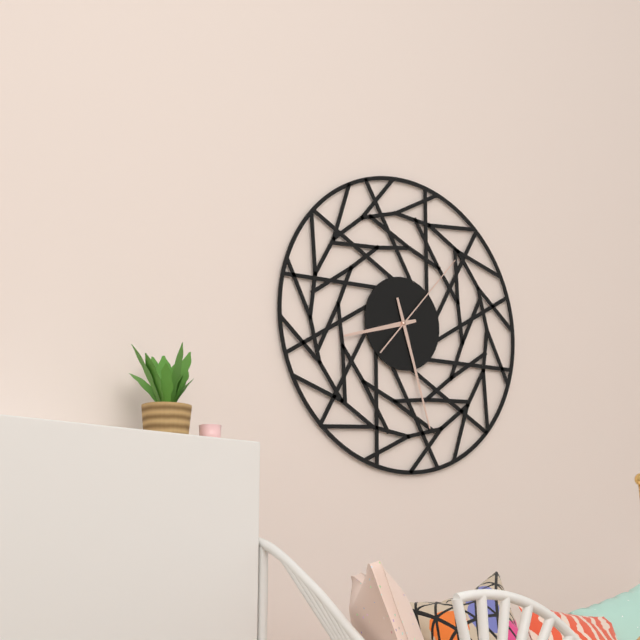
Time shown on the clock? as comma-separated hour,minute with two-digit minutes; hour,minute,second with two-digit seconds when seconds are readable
8,27,07
